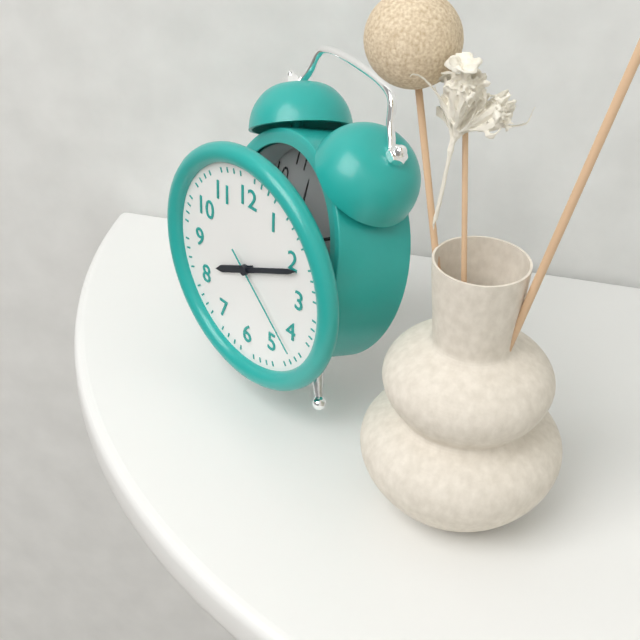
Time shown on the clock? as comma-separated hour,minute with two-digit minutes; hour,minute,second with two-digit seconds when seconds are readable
8,11,22
